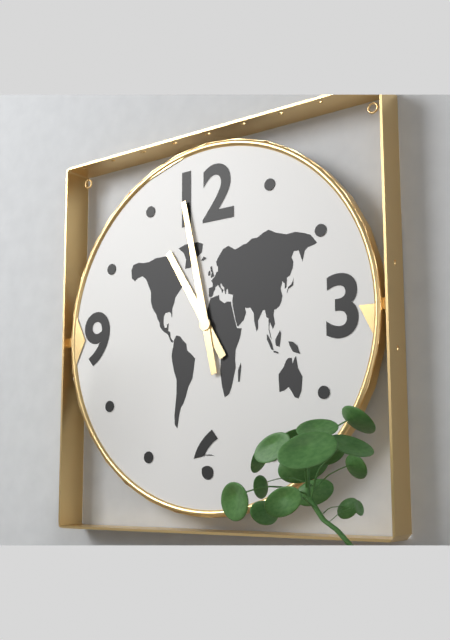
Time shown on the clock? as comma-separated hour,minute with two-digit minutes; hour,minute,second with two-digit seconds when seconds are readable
10,58
